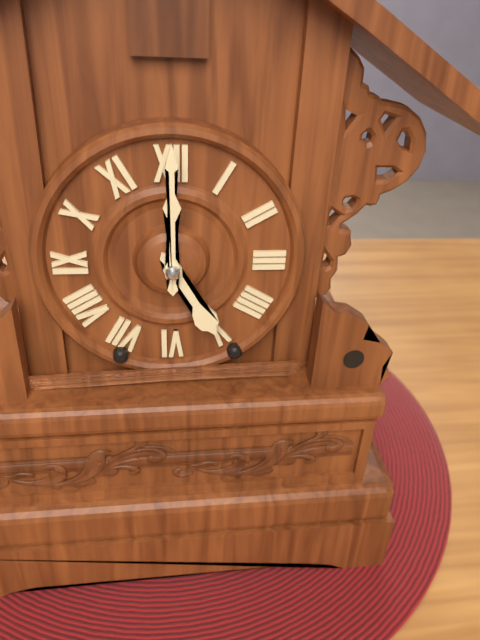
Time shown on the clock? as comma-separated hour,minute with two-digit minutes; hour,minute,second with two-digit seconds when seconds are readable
5,00
